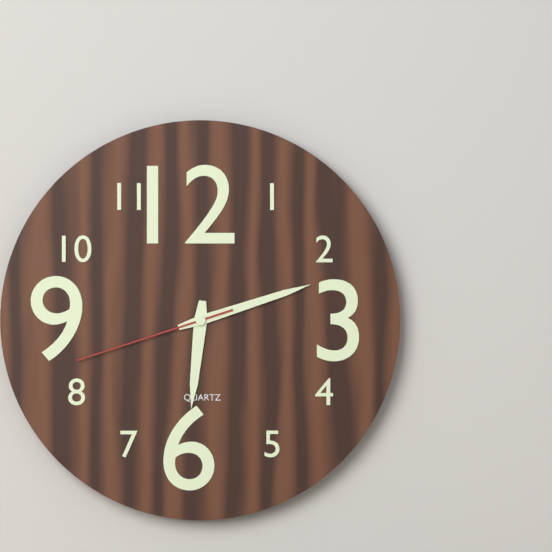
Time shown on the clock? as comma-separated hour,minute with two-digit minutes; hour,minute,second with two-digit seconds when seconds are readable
6,12,42
